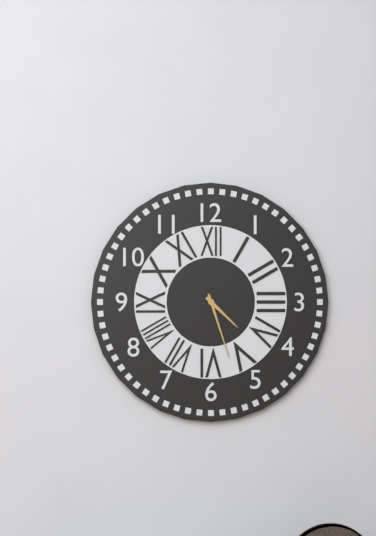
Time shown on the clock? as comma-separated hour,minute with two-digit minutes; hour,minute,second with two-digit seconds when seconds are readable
4,27
